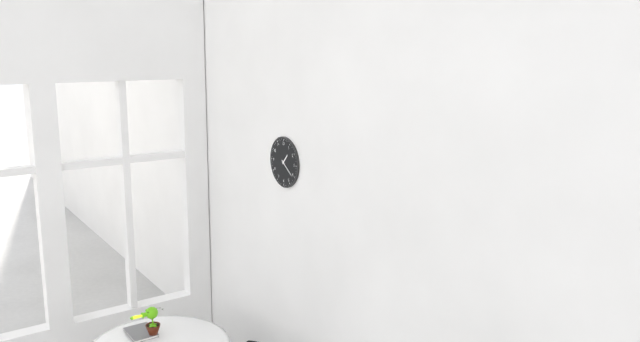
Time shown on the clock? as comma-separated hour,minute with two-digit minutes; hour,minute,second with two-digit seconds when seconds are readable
1,21
